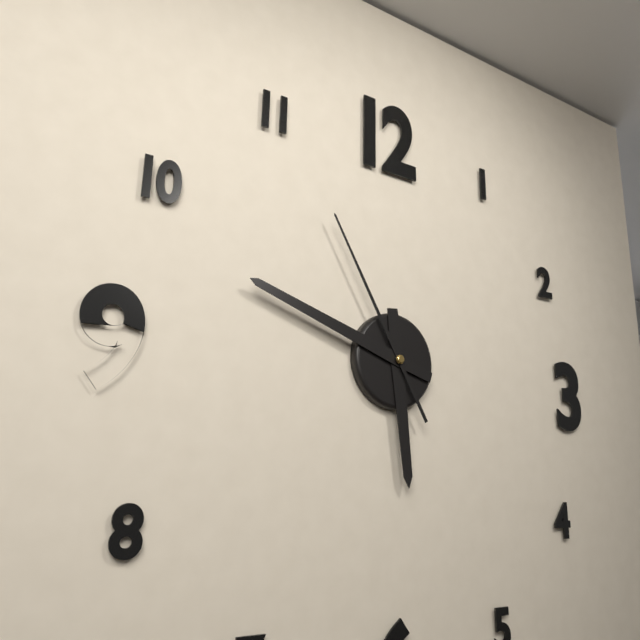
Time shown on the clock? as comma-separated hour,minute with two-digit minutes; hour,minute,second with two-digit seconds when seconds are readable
5,48,55
